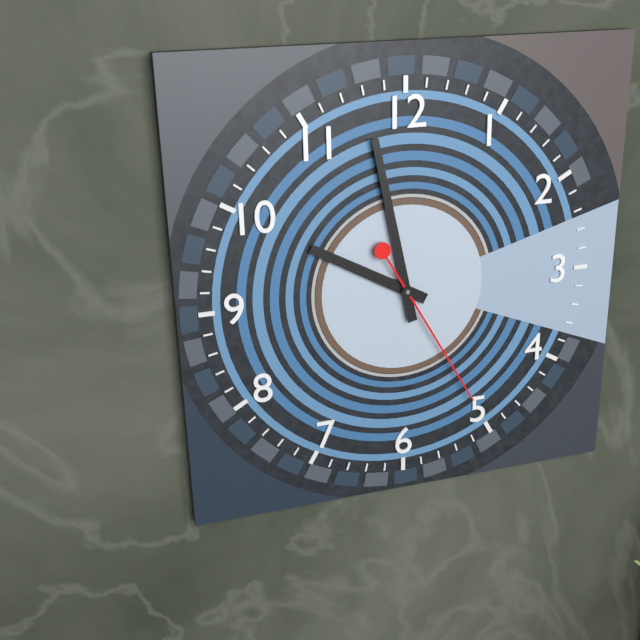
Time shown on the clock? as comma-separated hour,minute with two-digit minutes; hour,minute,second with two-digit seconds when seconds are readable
9,58,25
